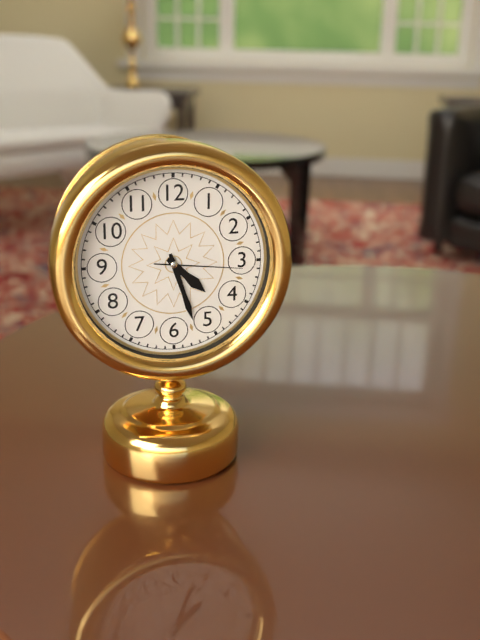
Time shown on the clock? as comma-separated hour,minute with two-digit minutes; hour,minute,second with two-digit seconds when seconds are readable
4,27,16
